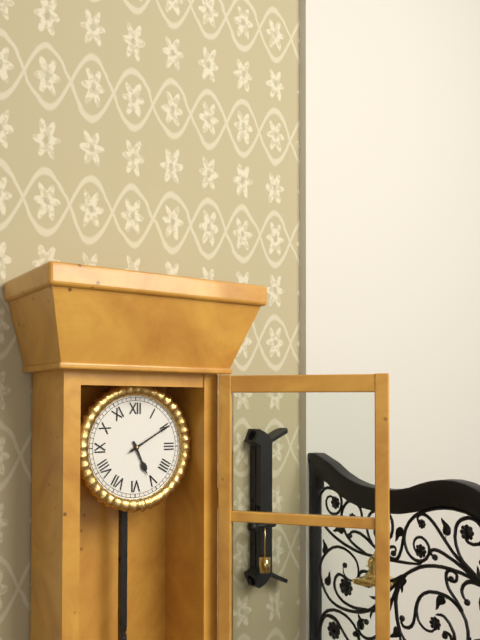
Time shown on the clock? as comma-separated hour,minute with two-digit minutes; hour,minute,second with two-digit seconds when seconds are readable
5,10
